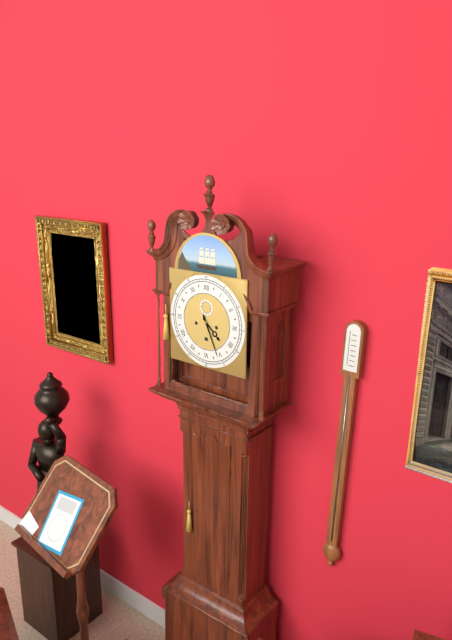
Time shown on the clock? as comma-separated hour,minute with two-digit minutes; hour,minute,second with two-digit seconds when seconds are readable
4,26
